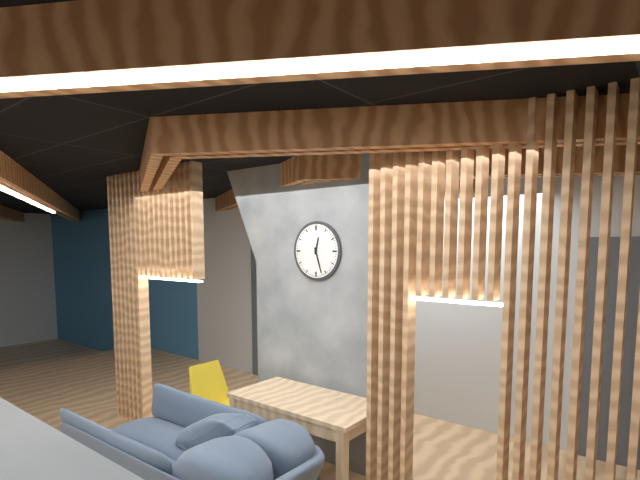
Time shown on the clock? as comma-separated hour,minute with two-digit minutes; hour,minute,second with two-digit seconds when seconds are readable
12,27
